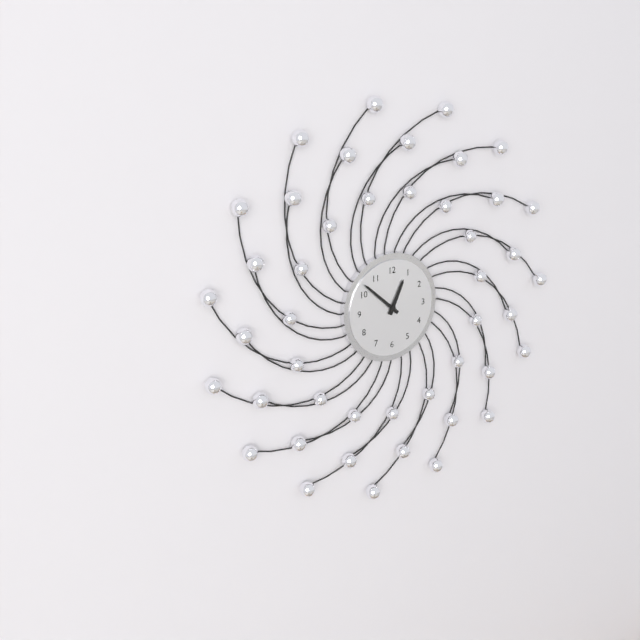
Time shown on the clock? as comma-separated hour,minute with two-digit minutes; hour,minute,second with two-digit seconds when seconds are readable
12,52
